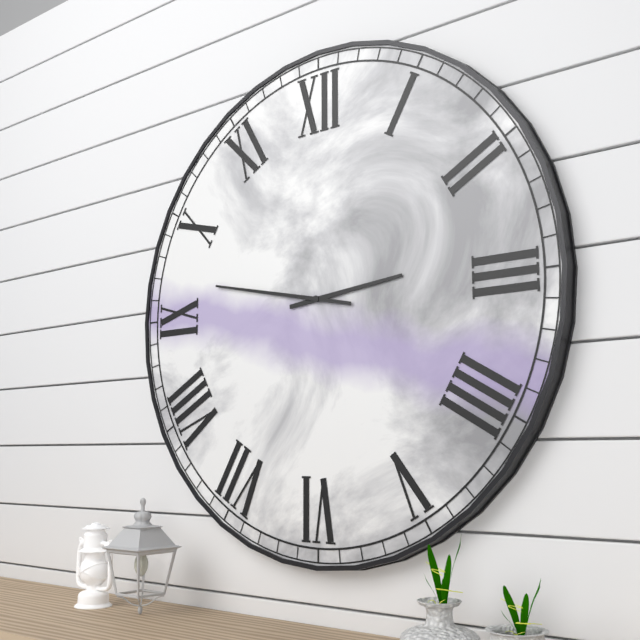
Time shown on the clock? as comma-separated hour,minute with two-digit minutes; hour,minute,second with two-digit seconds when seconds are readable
2,47
